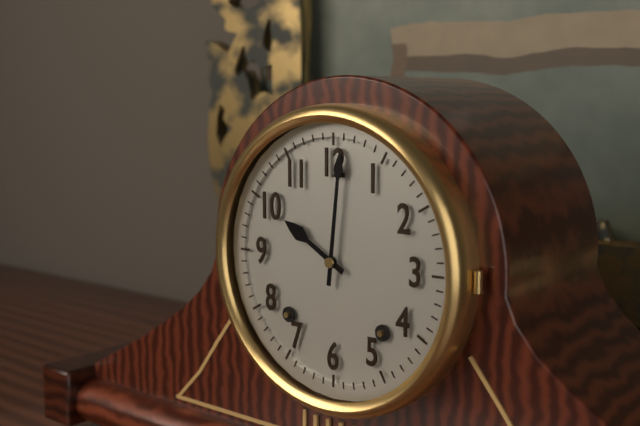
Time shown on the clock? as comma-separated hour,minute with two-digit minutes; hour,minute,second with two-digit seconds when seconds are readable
10,01
